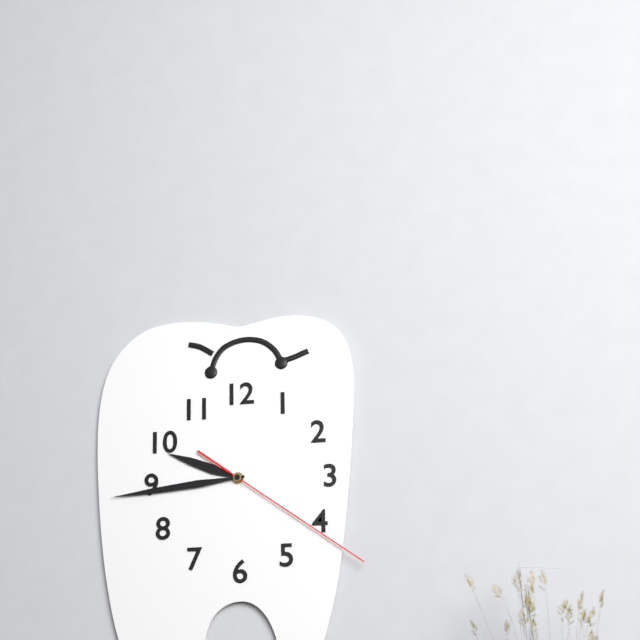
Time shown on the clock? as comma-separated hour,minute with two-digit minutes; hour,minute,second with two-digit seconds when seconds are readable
9,44,21
